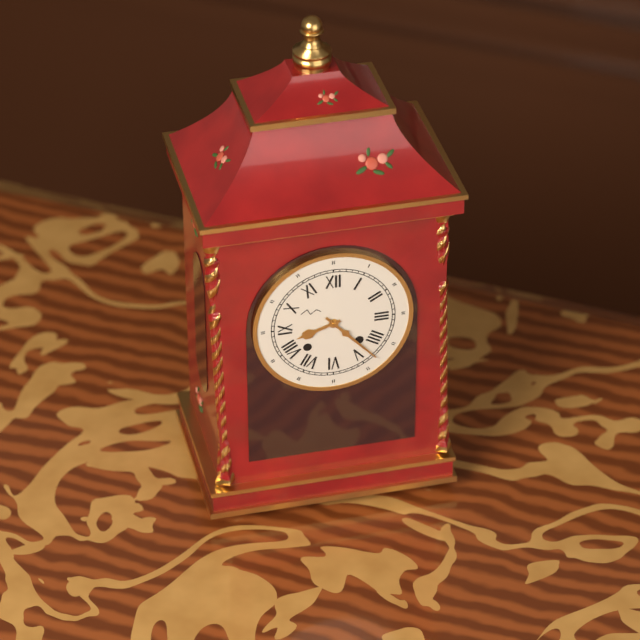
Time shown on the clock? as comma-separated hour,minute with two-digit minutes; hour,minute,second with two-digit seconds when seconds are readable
8,23
